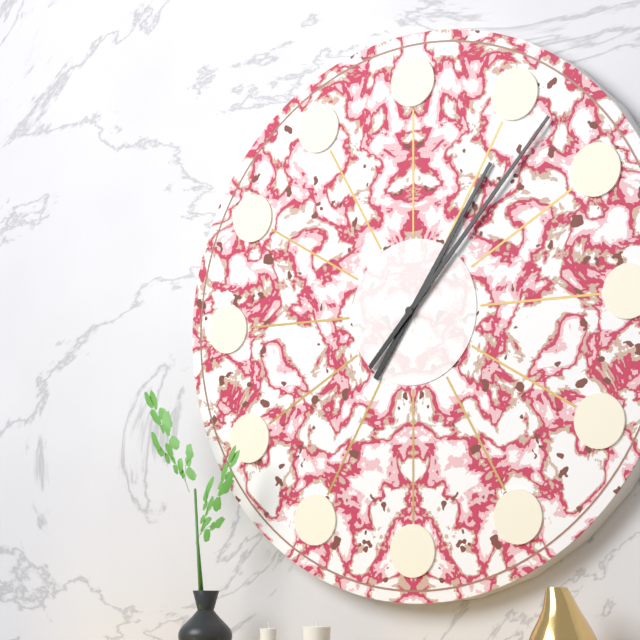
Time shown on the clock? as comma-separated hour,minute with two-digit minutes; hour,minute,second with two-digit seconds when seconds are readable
1,07
